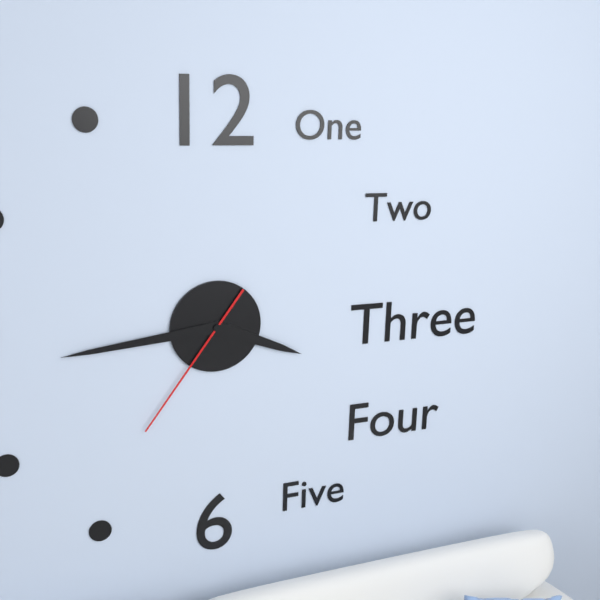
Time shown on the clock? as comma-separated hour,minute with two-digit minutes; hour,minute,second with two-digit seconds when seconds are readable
3,44,36
